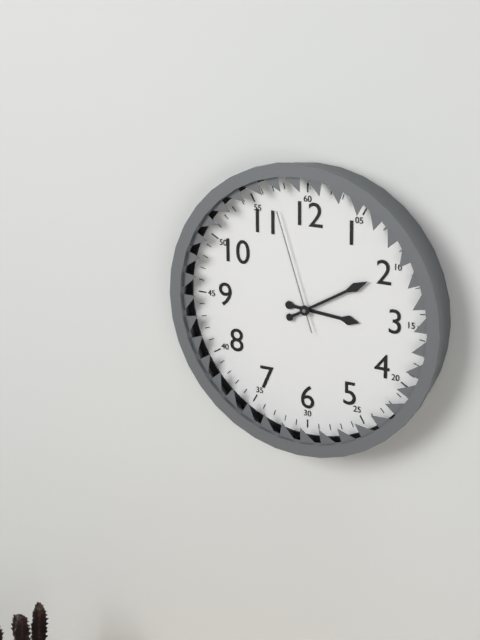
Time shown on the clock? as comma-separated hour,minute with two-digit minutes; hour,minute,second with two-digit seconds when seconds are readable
3,10,57
